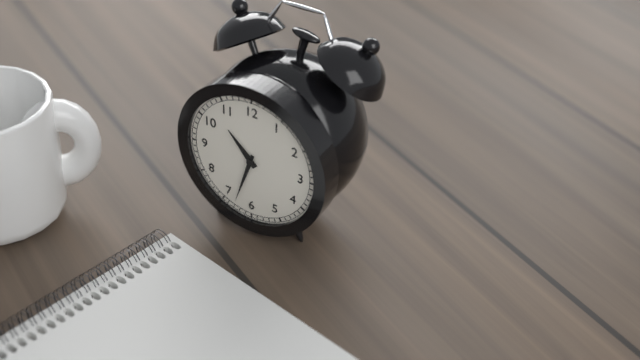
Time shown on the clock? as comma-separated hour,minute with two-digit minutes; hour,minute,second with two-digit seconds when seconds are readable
10,33
